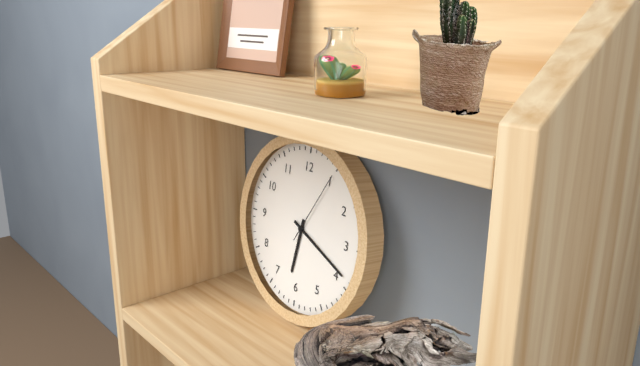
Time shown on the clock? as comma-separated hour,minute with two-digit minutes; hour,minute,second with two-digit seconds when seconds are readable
6,19,05
